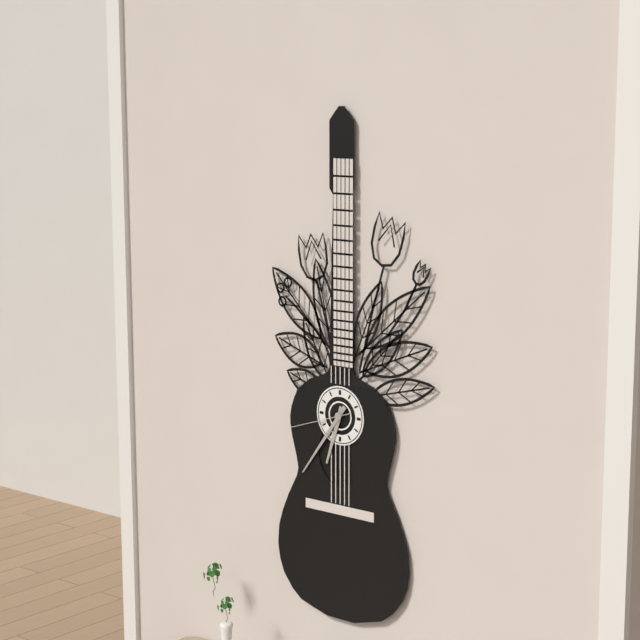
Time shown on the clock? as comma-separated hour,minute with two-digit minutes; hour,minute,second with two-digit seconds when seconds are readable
6,36,42
